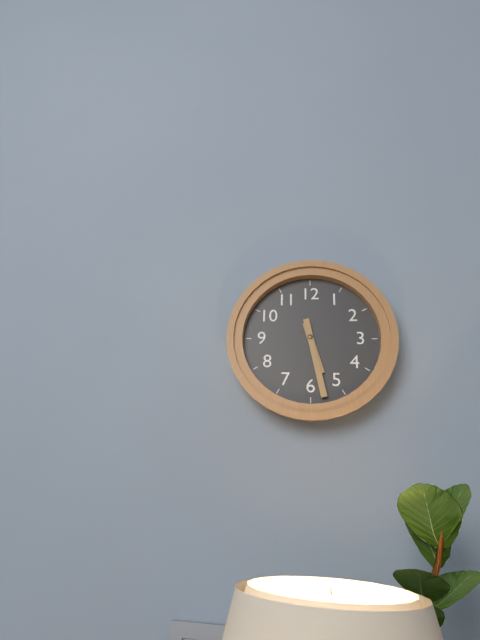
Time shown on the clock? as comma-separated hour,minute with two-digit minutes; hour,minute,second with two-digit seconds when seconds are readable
5,28
